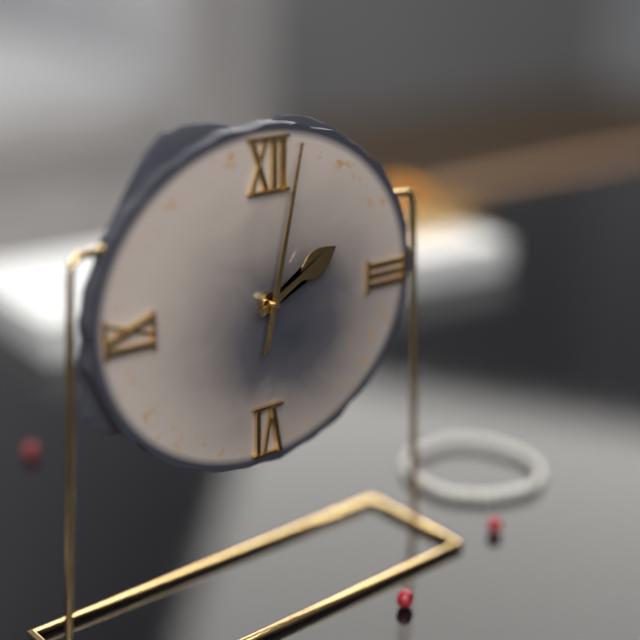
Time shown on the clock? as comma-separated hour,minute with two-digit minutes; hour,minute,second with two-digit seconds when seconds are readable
2,02
